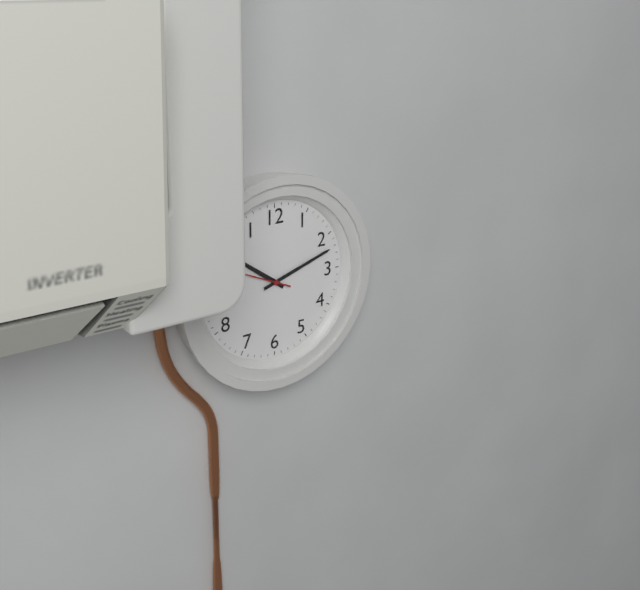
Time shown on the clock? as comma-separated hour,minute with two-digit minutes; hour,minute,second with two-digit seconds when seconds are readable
10,12
